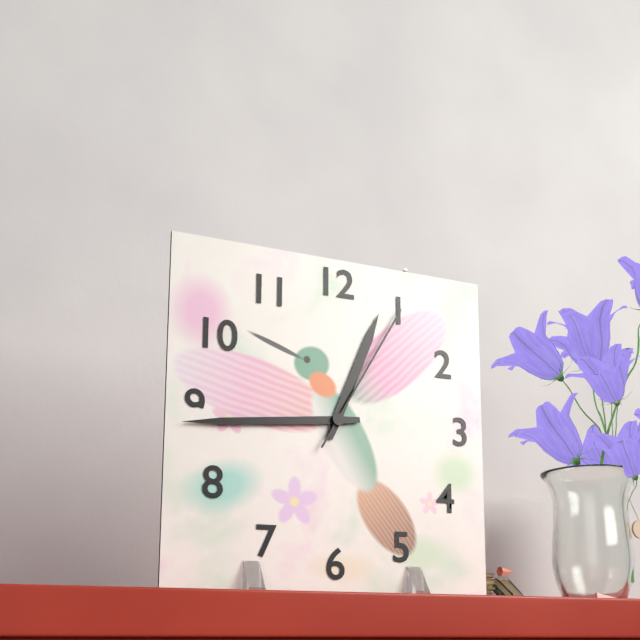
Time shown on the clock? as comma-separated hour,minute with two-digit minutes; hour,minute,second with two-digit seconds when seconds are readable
12,44,05
